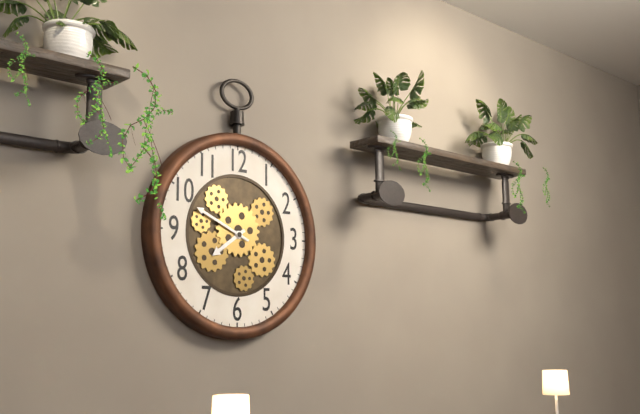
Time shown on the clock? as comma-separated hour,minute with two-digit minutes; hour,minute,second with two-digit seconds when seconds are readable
7,49
